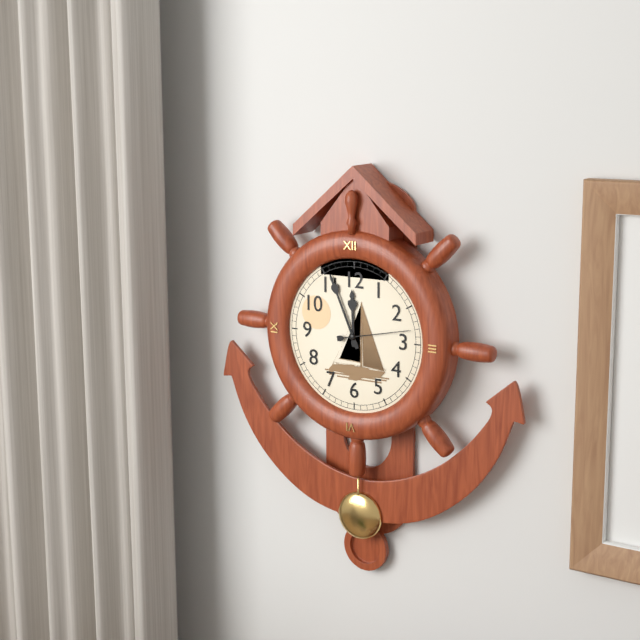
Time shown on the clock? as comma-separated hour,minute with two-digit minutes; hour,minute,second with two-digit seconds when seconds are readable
11,56,13
